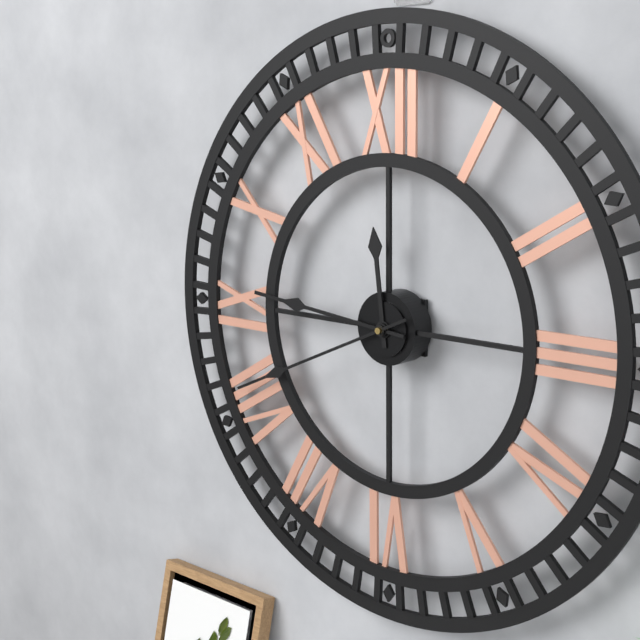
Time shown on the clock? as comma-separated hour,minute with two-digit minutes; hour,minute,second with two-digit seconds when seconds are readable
11,46,41
